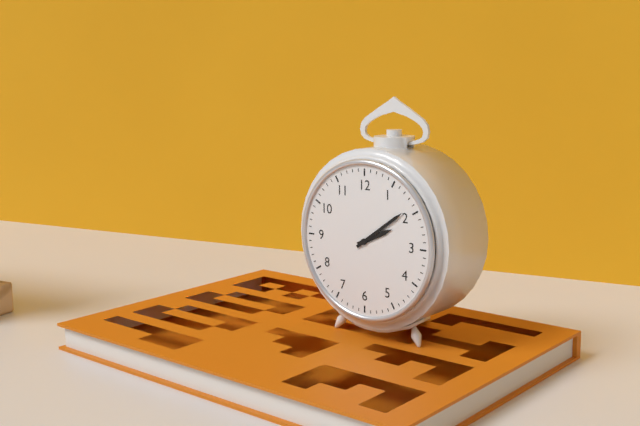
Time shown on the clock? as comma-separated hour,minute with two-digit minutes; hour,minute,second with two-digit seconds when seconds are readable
2,09
